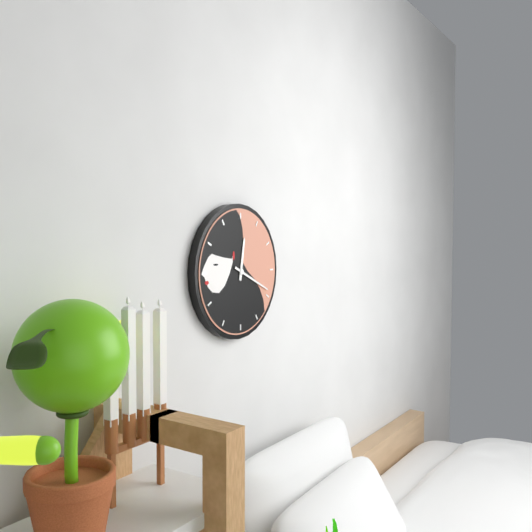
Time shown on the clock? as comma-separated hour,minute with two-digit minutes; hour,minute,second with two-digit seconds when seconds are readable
12,19
